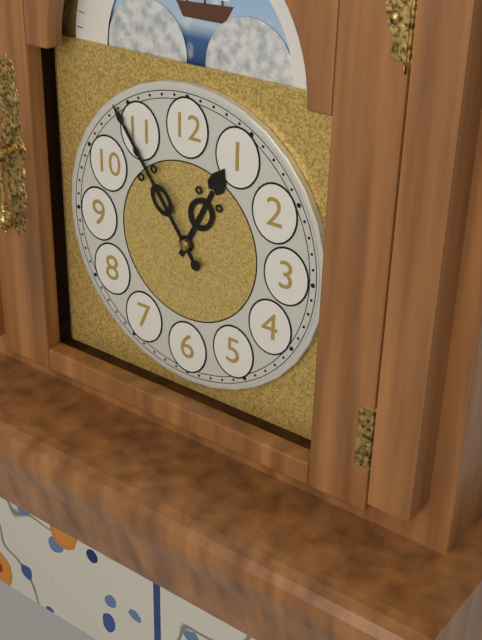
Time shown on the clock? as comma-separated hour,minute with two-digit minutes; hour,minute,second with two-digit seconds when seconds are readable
12,54
